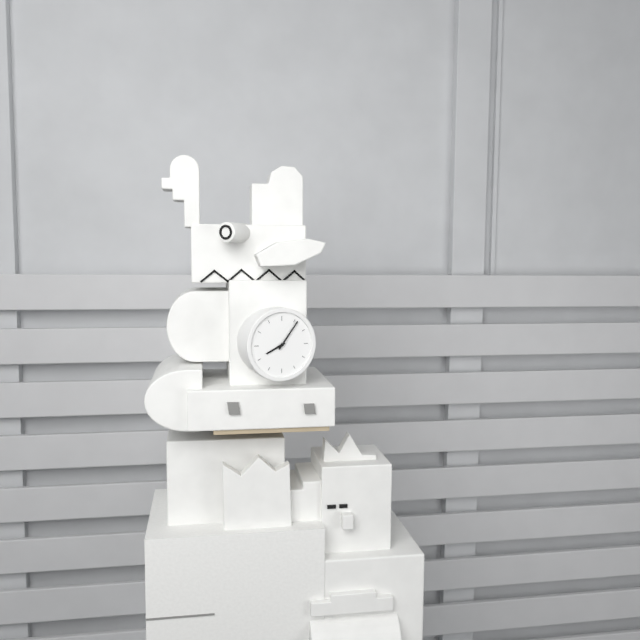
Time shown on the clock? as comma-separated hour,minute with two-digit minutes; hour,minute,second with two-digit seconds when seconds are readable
8,06
